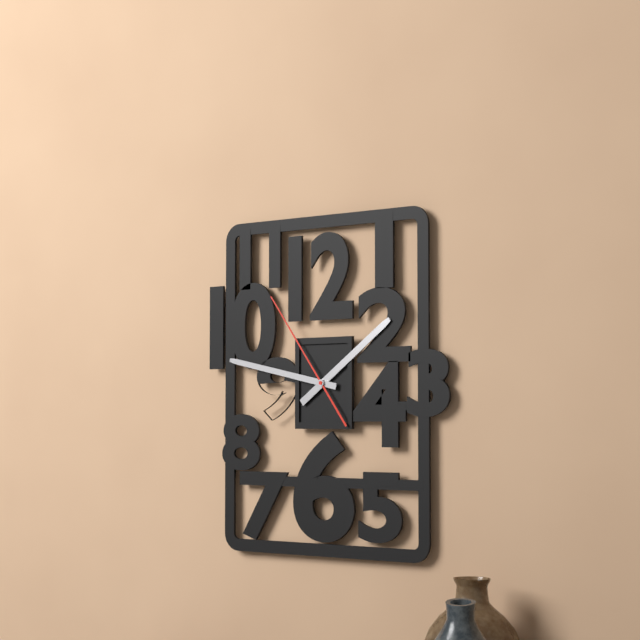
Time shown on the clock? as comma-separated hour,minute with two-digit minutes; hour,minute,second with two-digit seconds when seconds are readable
1,47,54
